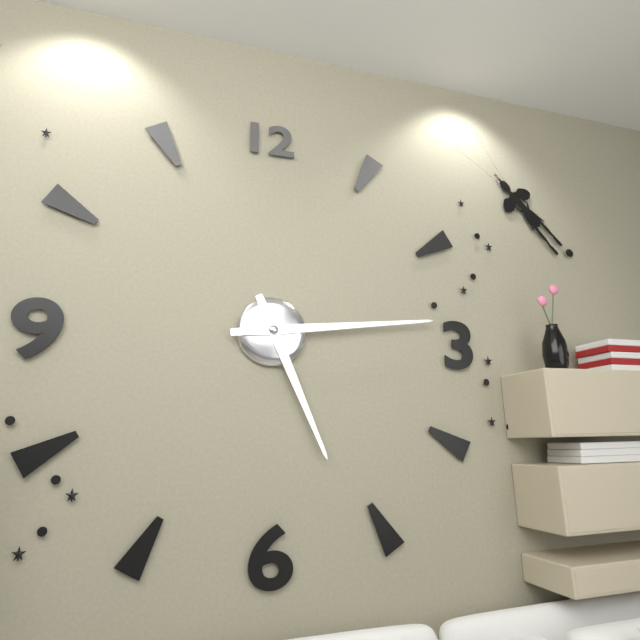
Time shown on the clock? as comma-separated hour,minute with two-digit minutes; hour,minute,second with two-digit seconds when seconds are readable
5,14
